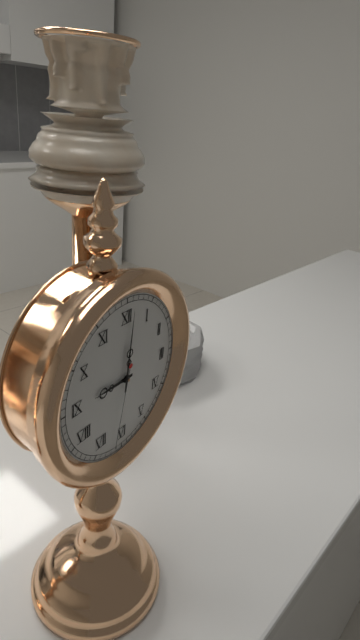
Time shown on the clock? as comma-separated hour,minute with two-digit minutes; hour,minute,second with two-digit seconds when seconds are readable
9,01,32
